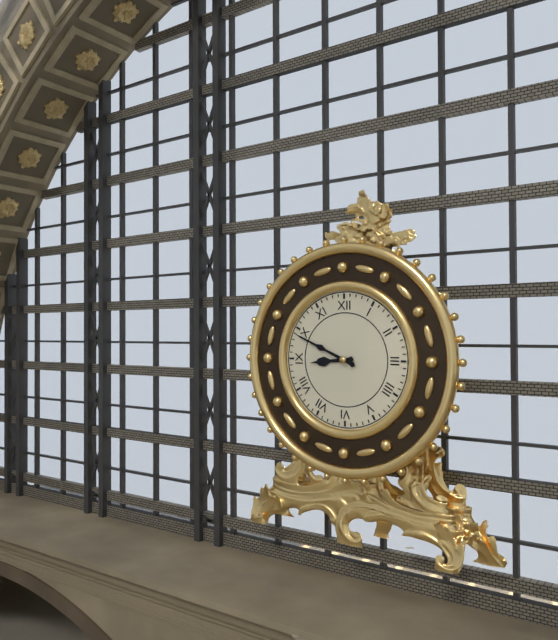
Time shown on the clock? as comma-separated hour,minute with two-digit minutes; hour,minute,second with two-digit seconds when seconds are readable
8,49
